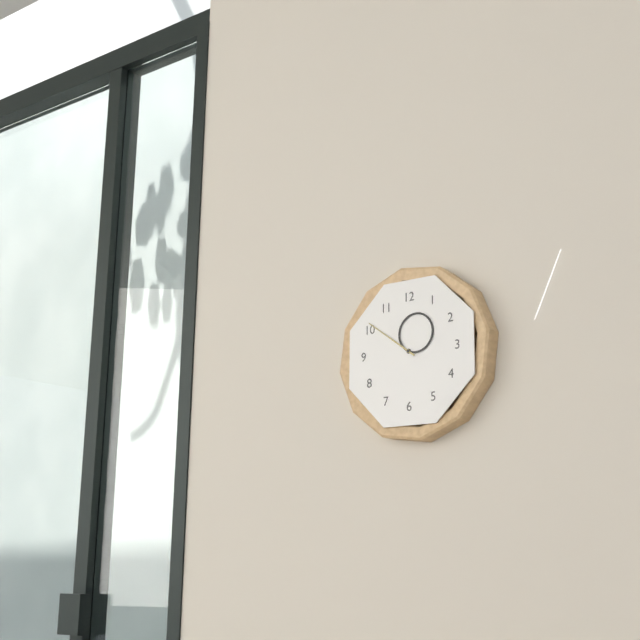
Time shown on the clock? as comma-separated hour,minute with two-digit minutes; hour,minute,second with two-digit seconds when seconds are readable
12,51
